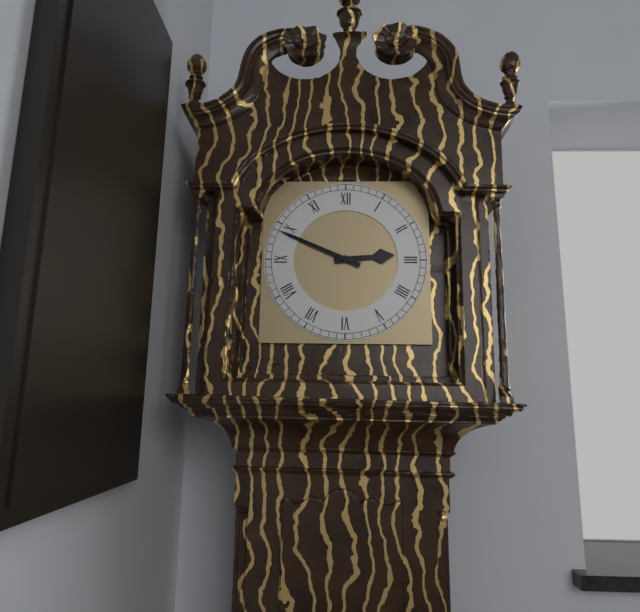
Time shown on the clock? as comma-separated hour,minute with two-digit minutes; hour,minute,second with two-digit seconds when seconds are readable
2,49
